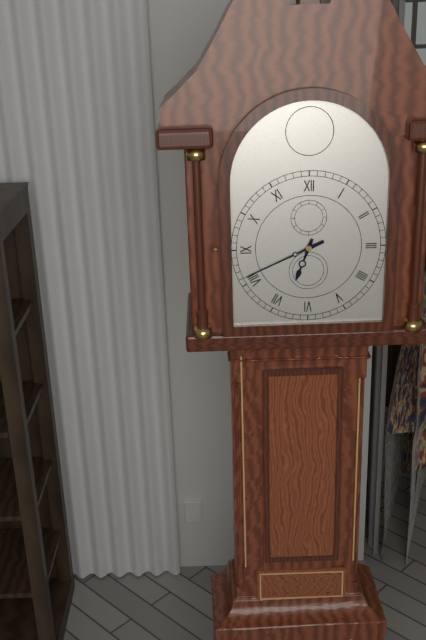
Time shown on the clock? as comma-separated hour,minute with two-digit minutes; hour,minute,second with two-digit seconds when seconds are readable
6,41
